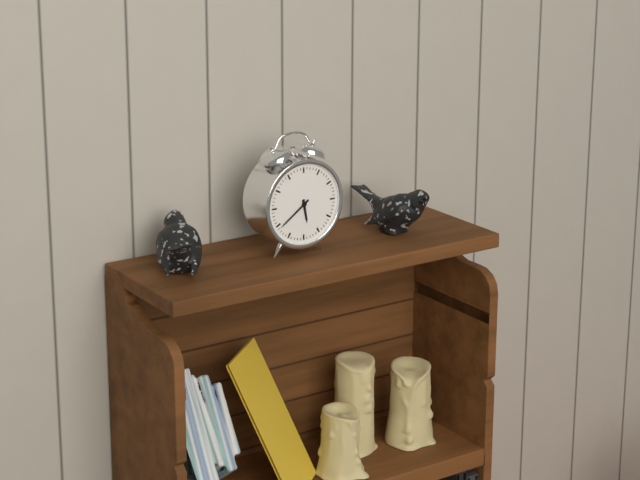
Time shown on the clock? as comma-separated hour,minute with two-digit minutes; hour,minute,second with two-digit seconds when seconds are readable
5,39
